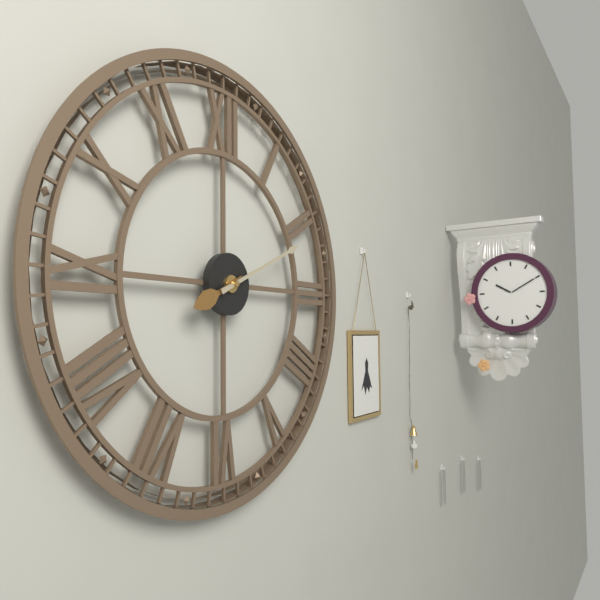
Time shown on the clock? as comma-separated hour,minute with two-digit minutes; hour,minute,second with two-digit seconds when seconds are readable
8,11
